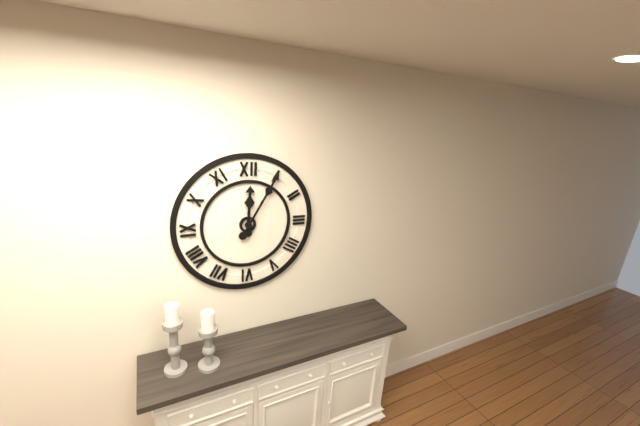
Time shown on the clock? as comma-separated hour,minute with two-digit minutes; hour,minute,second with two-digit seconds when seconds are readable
12,05
